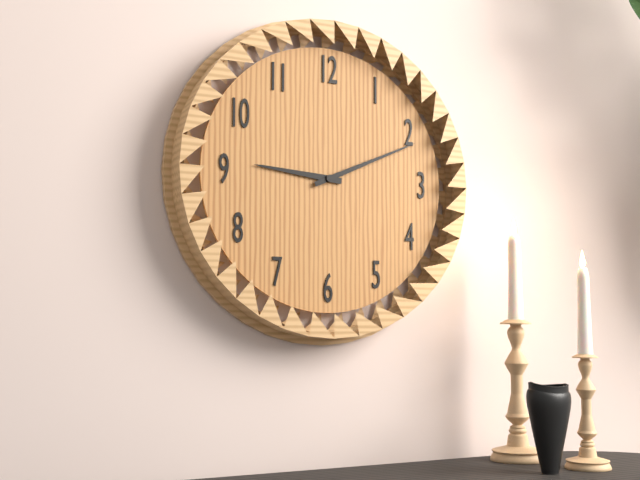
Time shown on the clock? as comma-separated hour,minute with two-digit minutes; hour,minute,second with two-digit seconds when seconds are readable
9,11
